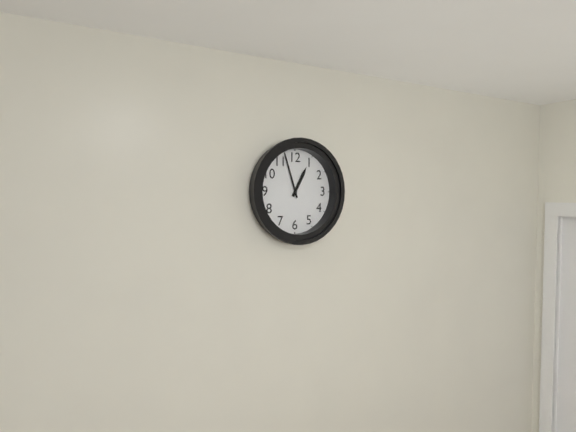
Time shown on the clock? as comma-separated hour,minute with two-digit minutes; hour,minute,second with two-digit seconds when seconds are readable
12,57
